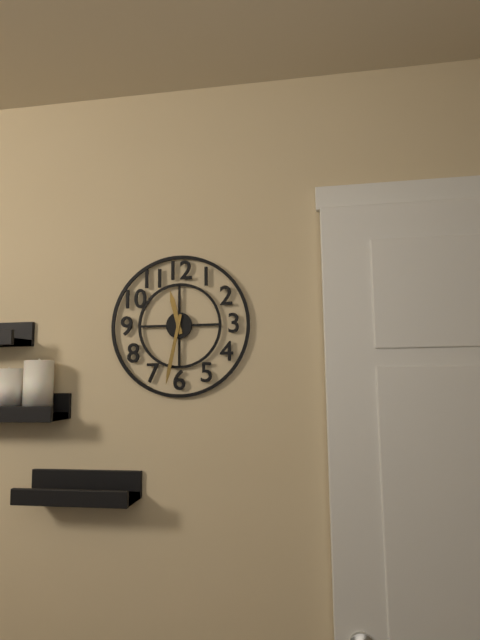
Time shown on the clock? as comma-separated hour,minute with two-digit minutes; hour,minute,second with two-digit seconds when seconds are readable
11,32
